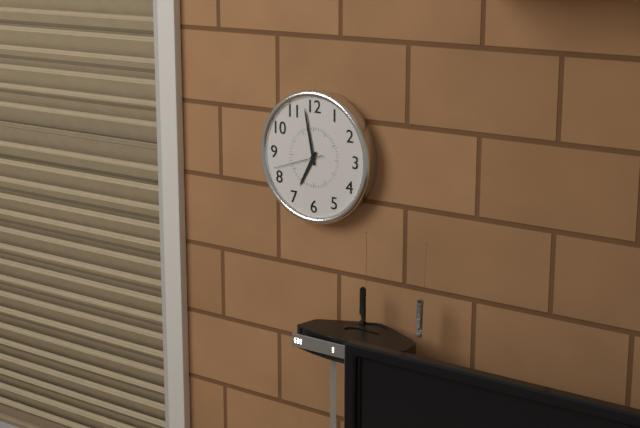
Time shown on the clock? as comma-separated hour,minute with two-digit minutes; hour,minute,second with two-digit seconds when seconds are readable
6,58,42
